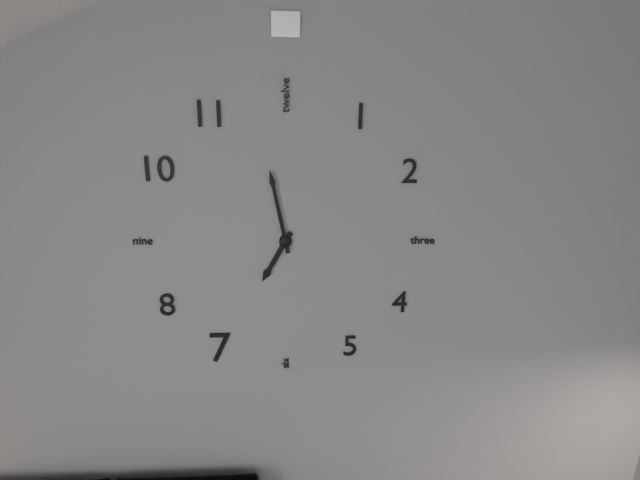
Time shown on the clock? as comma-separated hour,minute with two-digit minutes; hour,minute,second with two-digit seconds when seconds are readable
6,58
